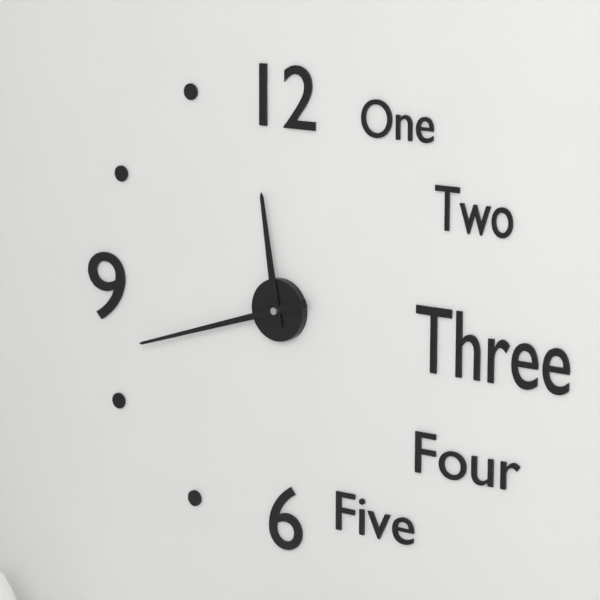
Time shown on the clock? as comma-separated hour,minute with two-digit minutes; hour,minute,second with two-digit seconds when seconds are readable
11,42
